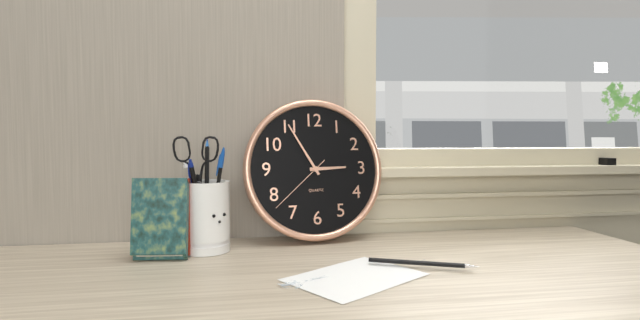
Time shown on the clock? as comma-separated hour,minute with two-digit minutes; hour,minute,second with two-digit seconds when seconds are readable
2,55,38
